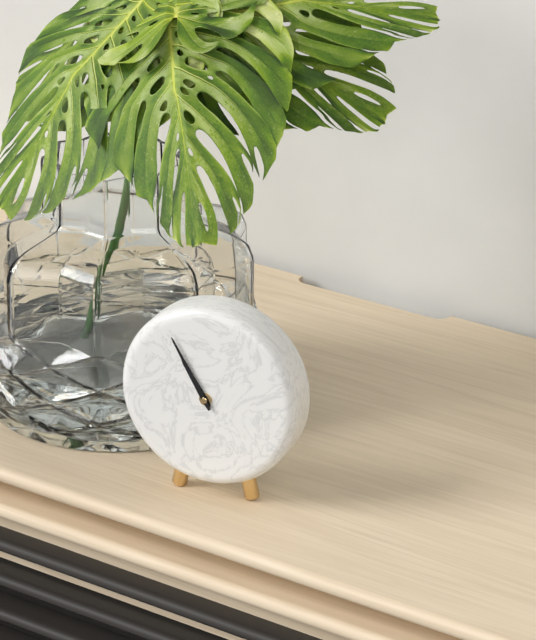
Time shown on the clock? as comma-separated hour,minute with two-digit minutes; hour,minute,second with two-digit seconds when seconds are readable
10,55
